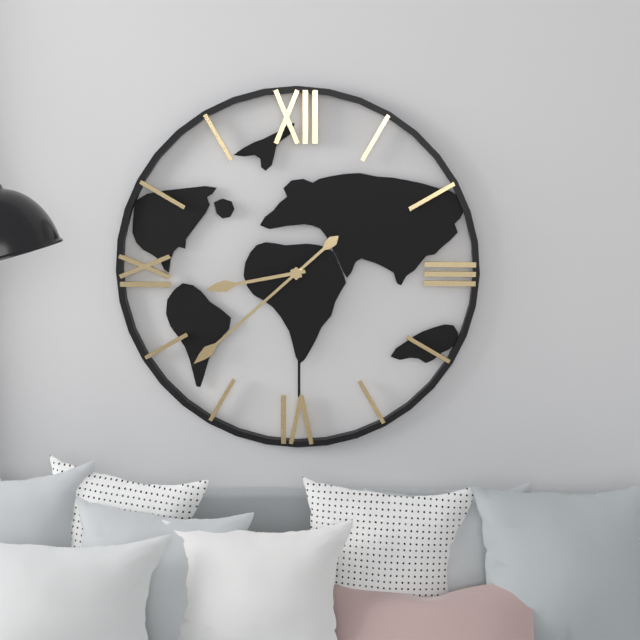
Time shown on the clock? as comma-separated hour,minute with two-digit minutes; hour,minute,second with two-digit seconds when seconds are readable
8,38
